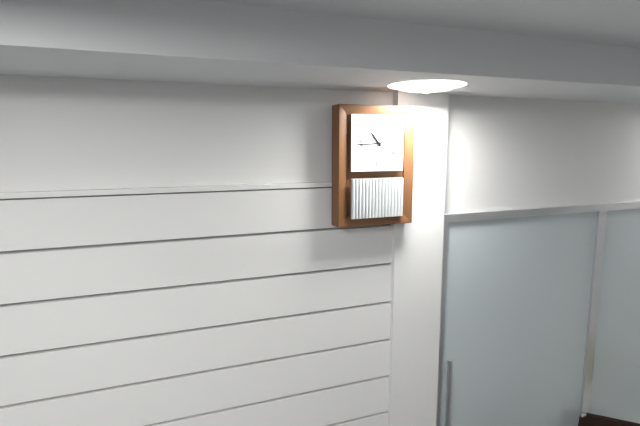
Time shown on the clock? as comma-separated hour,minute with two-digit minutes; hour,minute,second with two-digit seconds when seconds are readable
10,44
